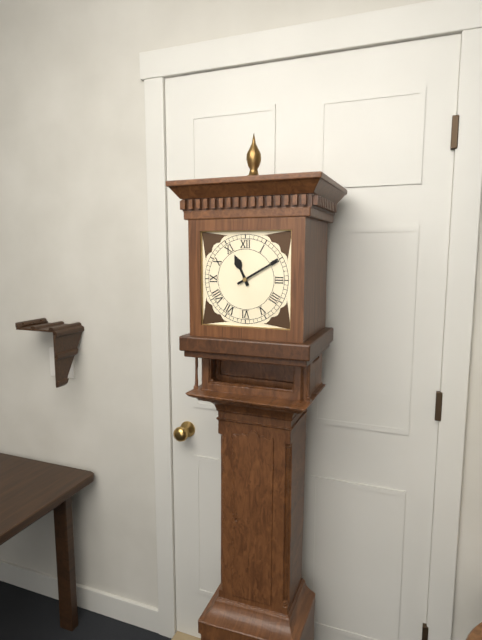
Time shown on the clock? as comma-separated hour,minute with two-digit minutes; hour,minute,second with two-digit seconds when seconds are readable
11,10
